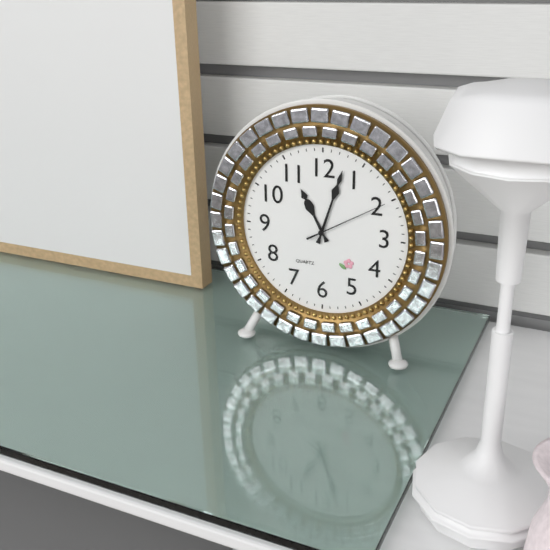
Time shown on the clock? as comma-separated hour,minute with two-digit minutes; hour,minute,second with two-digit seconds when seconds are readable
11,03,10
